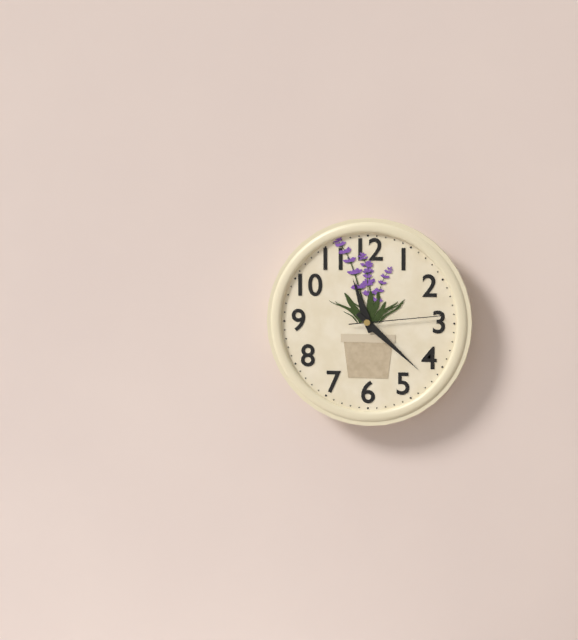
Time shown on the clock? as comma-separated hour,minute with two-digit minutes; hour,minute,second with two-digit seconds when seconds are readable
11,22,14
